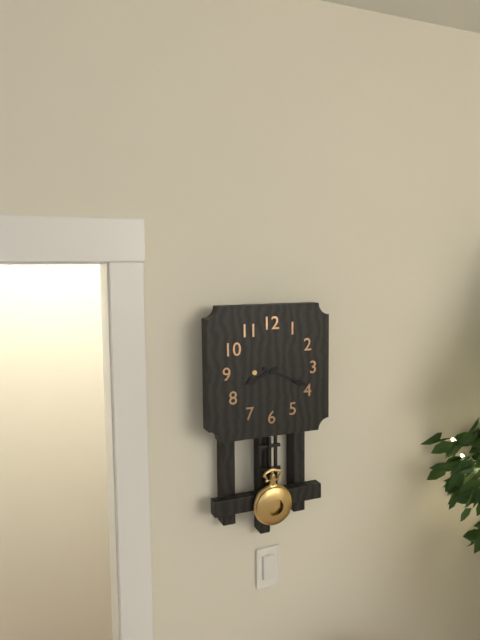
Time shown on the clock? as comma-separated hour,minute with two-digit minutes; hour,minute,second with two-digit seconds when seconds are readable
8,19
